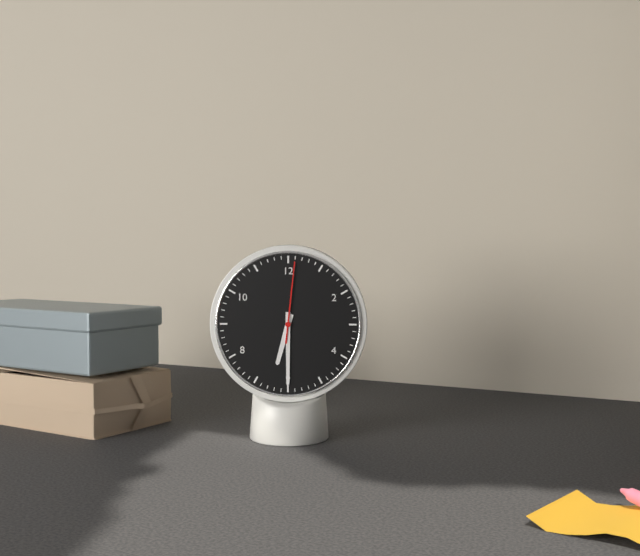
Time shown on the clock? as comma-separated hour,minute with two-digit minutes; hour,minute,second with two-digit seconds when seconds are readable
6,30,01
